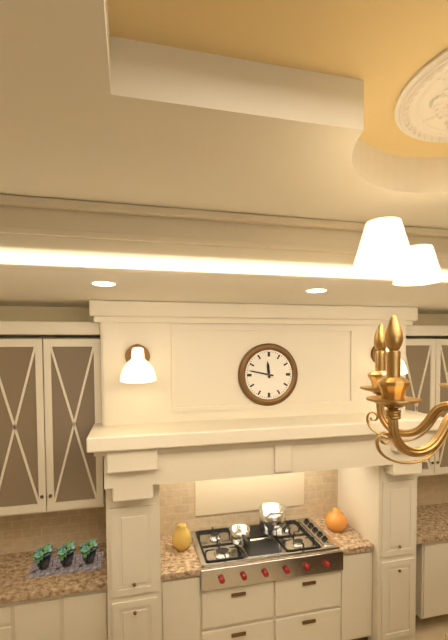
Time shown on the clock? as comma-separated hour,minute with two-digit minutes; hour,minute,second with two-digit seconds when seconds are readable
11,47
